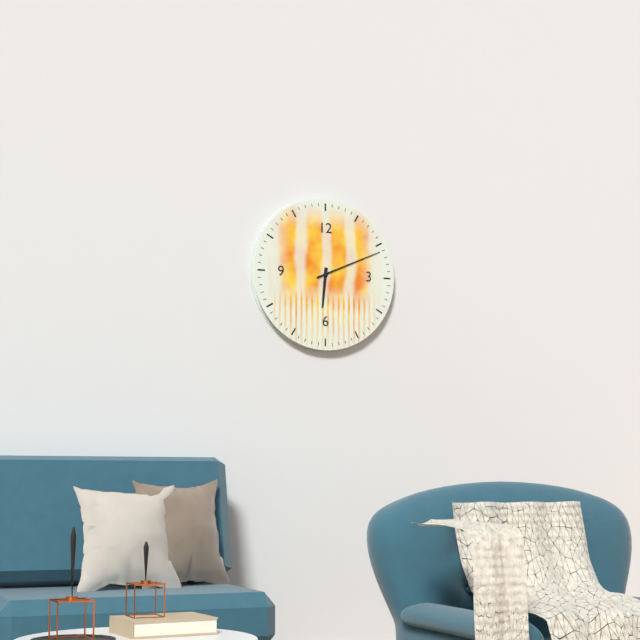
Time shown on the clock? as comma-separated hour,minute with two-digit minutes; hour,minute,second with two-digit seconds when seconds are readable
6,11
